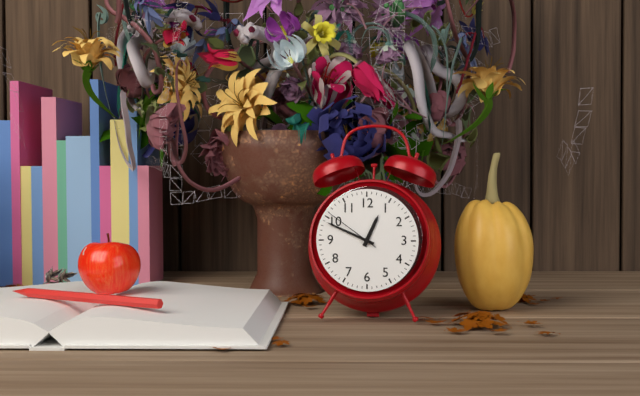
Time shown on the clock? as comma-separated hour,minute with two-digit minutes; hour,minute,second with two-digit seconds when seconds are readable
12,49,51
